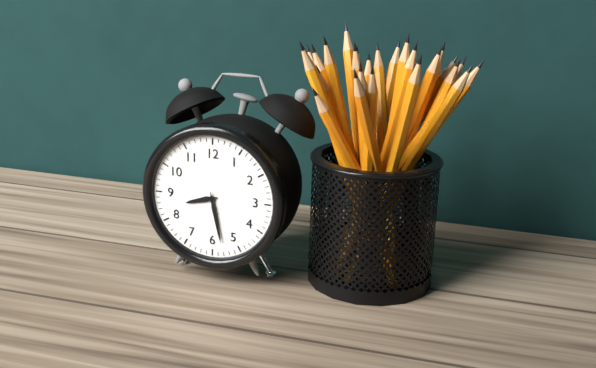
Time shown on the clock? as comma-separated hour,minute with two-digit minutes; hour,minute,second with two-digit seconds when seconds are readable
8,28
